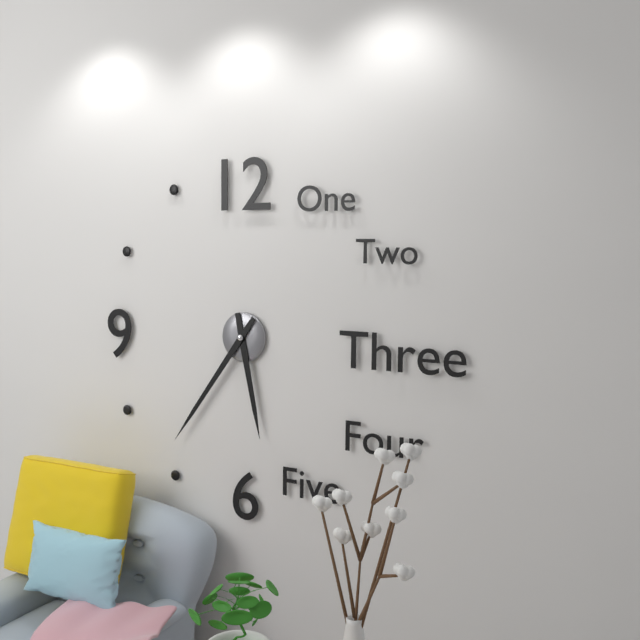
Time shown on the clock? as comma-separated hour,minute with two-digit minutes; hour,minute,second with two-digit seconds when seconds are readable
5,36
